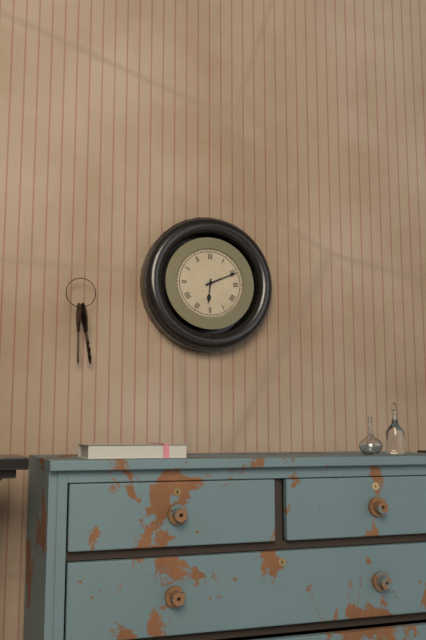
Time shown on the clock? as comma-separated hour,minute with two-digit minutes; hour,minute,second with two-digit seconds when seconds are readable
6,11
